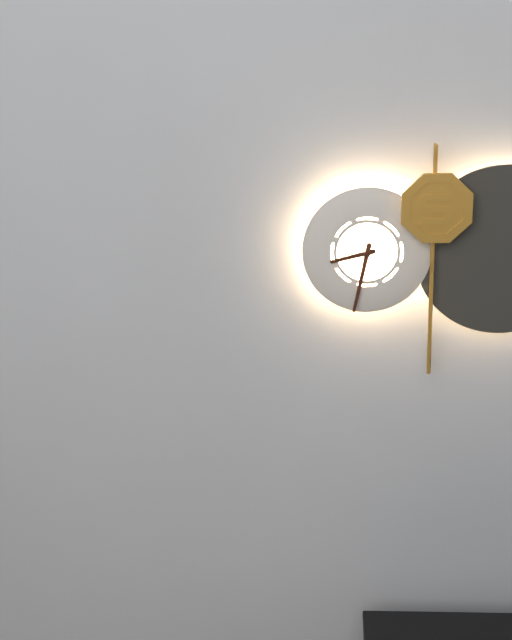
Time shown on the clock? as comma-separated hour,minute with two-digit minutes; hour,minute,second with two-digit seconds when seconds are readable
8,32
